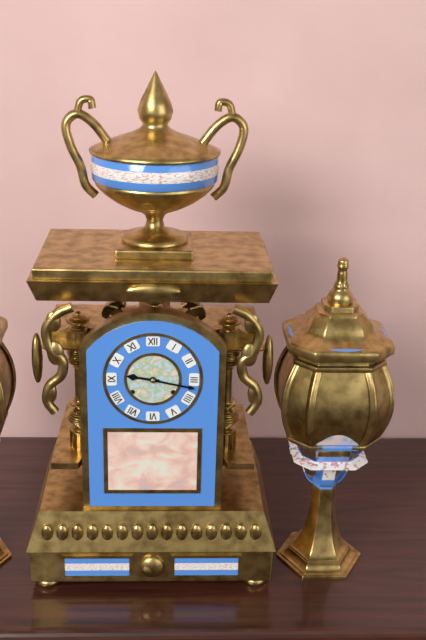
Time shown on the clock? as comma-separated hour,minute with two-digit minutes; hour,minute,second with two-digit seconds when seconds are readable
9,17
